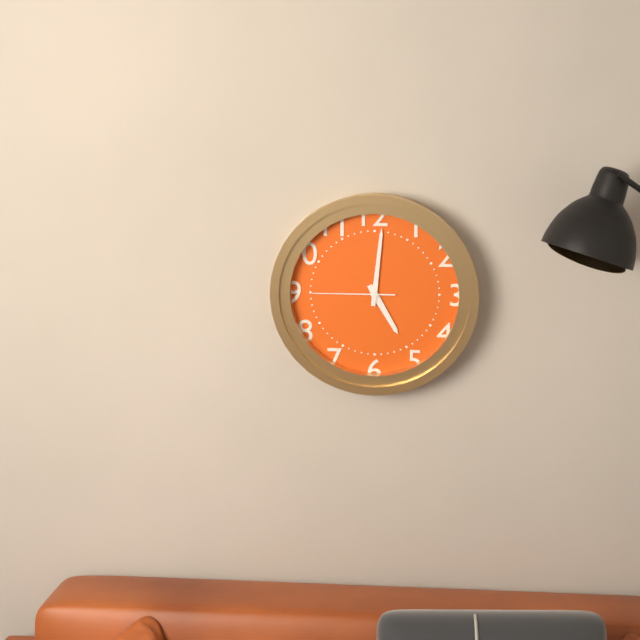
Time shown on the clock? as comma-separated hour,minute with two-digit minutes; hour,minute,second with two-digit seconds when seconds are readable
5,01,45
